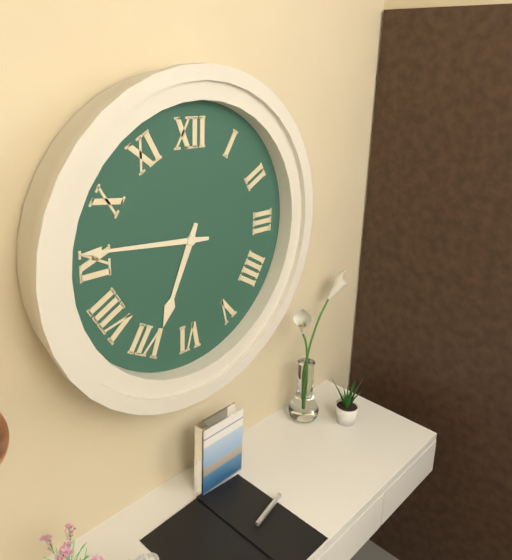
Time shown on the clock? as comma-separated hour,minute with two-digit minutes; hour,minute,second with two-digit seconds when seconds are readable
6,46
